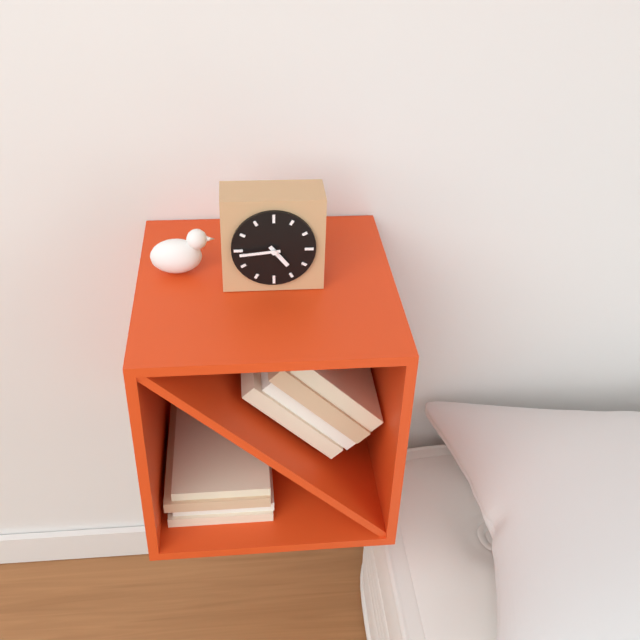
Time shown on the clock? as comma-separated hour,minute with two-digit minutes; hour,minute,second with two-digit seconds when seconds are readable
4,44
